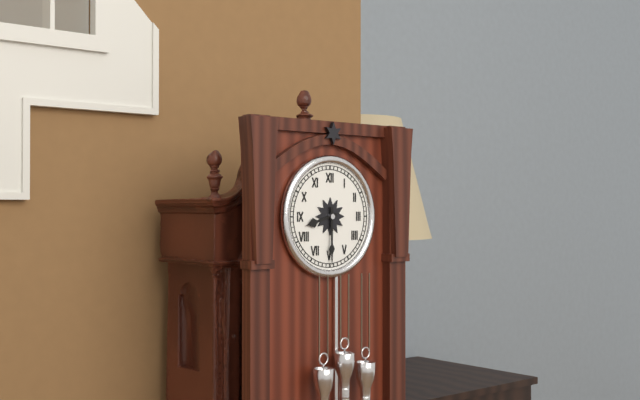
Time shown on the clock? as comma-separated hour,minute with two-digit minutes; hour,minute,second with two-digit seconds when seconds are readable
8,30
